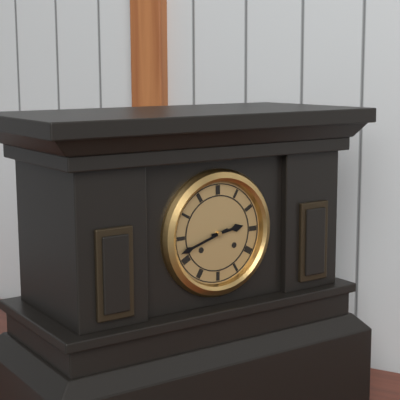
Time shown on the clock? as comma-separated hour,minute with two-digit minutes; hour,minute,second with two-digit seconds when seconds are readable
2,42
